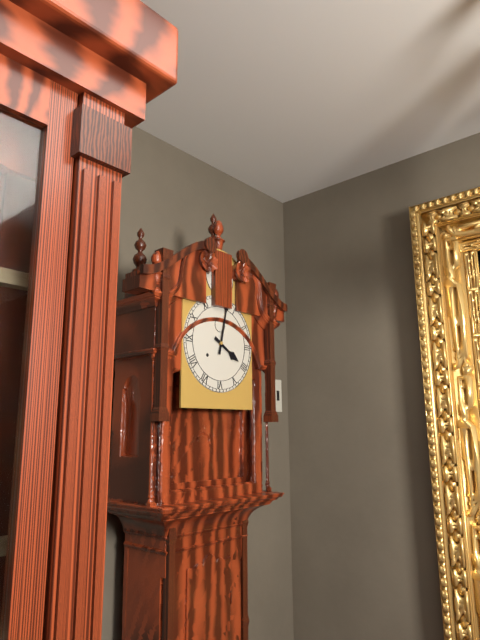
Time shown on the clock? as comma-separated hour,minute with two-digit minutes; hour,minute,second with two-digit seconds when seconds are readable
4,02
